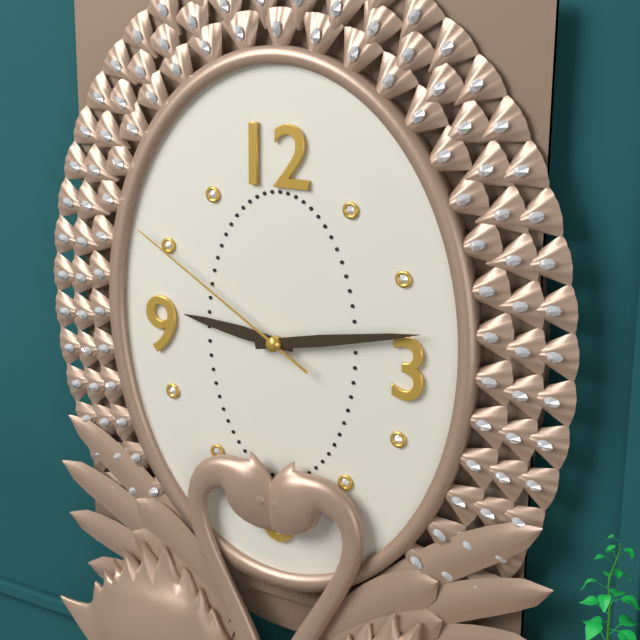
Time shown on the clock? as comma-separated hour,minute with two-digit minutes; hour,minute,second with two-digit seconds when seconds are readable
9,13,50
